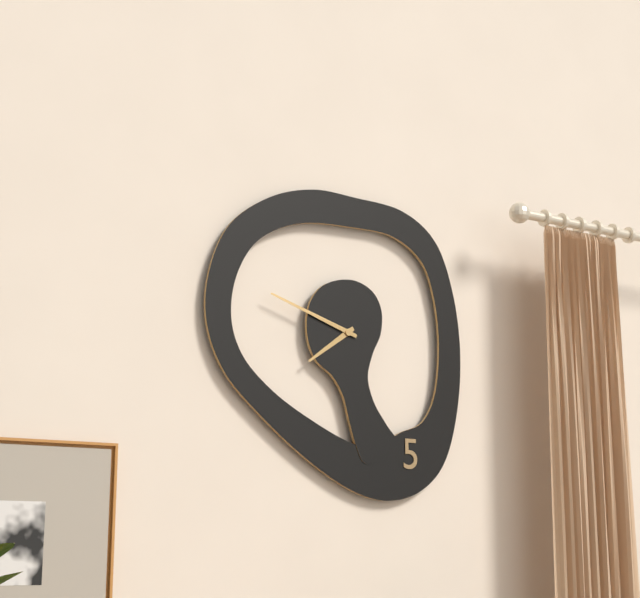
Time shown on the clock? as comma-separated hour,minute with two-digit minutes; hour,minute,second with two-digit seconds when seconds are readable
7,48
